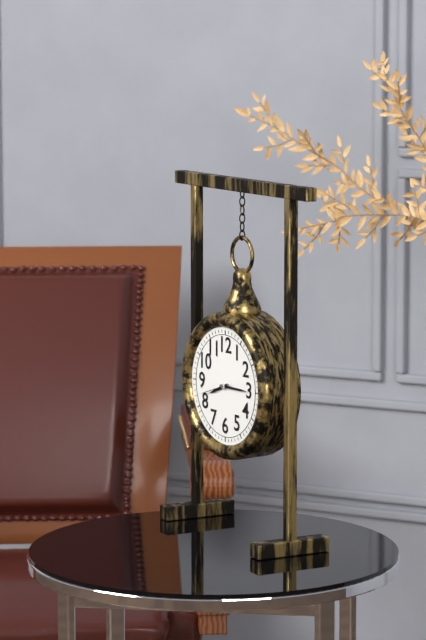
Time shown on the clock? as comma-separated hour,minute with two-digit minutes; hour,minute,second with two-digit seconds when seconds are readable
8,15
